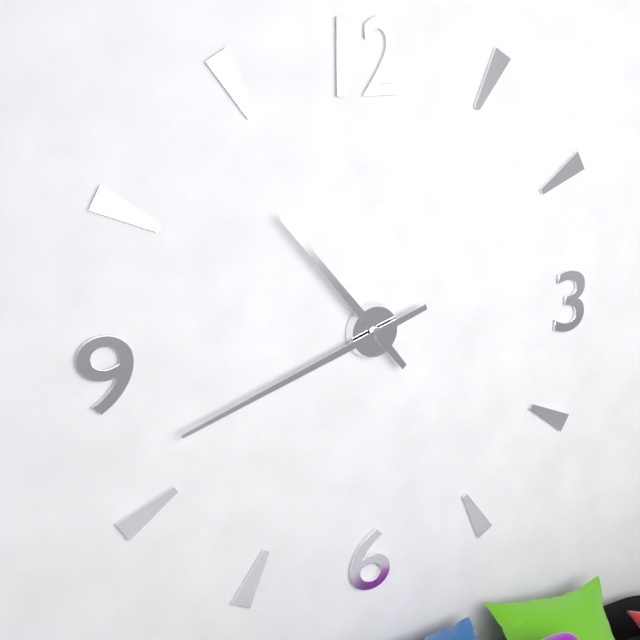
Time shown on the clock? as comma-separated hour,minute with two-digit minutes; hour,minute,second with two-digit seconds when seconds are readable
10,42
